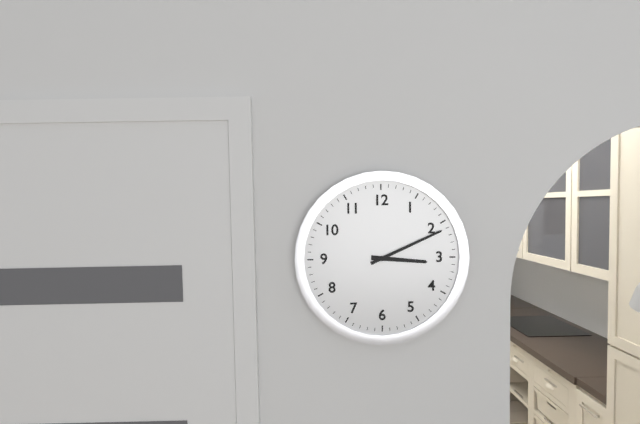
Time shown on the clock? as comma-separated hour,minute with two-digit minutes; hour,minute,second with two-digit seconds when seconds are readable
3,11
